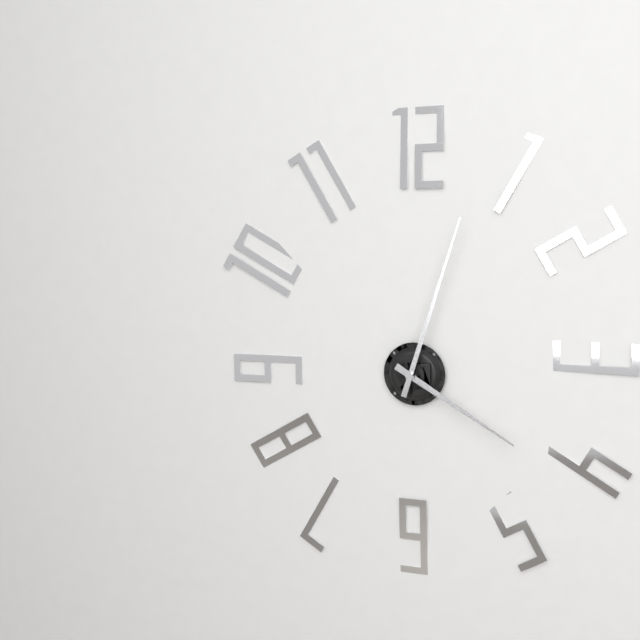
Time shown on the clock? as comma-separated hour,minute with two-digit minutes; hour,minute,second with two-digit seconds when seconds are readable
4,03
